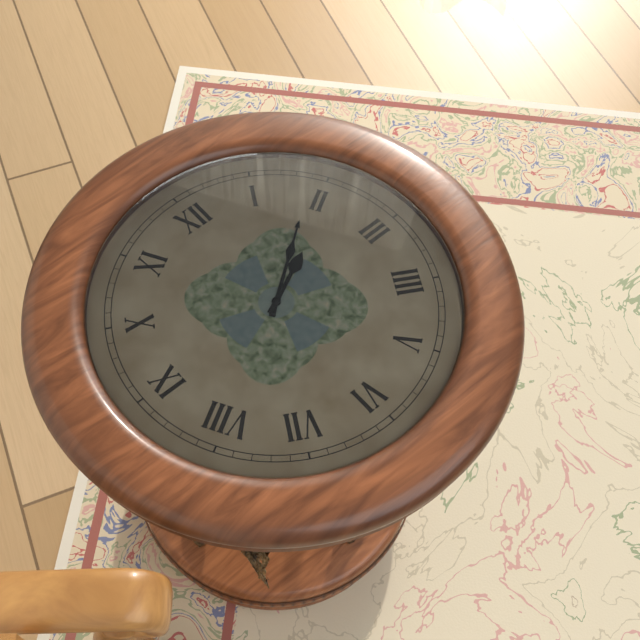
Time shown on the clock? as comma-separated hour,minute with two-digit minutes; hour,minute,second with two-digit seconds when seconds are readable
2,09
